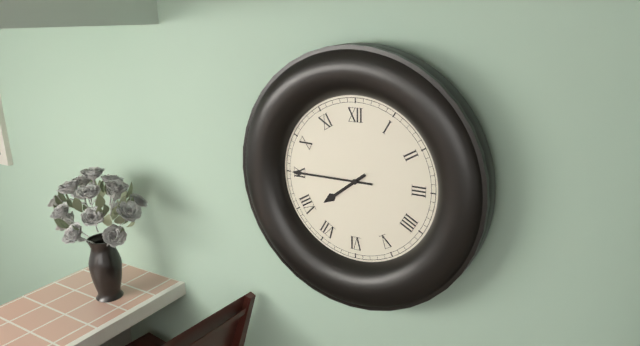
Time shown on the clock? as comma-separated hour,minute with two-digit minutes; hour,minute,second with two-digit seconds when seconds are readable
7,45
